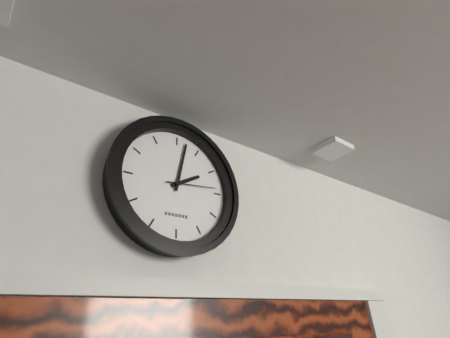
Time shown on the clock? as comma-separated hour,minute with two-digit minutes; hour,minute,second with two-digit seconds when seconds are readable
2,02
